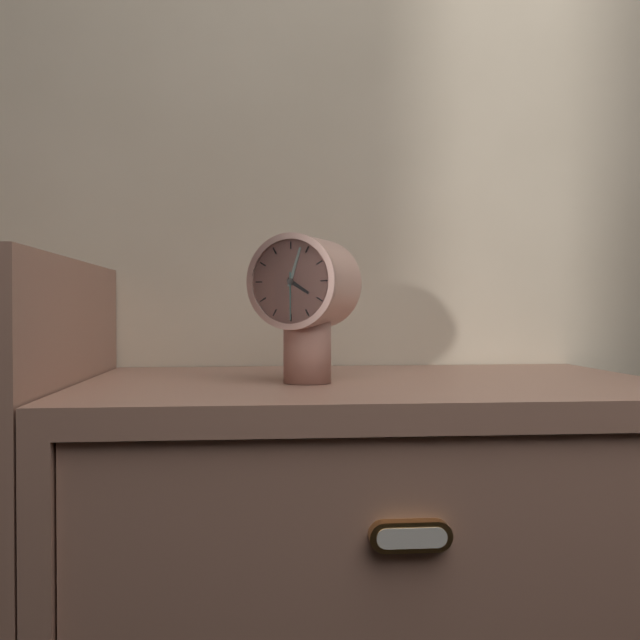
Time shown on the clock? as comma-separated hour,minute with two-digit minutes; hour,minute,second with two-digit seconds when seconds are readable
4,03
